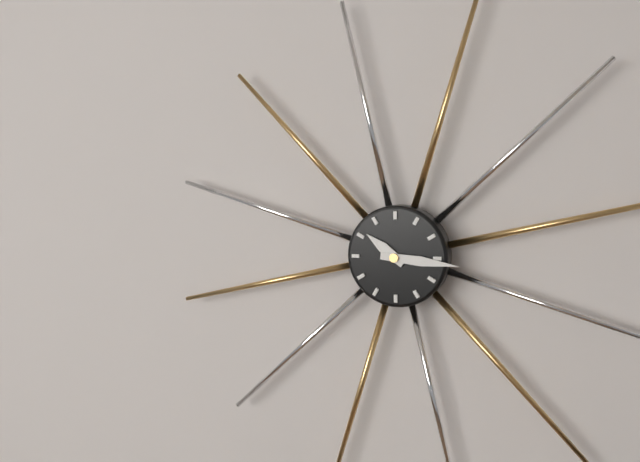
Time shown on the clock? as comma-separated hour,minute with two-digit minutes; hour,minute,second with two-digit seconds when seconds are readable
10,16
